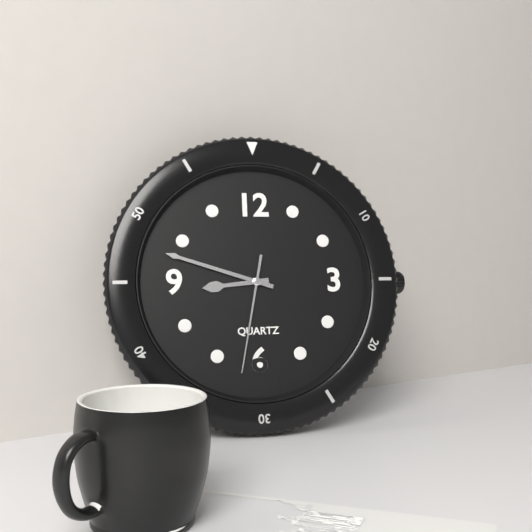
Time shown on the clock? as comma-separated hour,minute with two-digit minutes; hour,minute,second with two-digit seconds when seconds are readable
8,48,32
